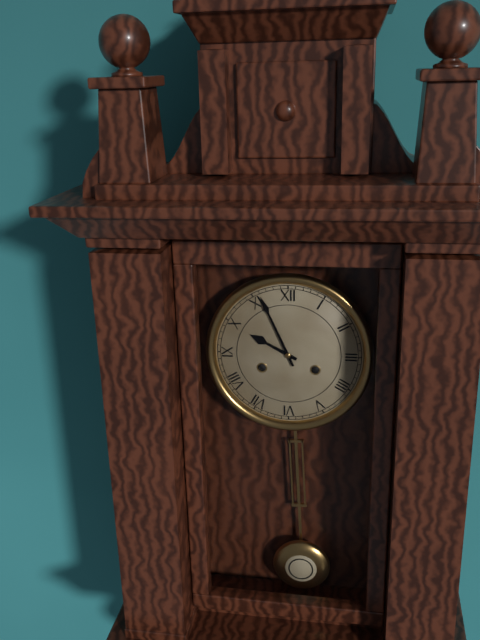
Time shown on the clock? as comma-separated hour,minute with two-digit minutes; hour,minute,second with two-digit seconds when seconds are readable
9,56
